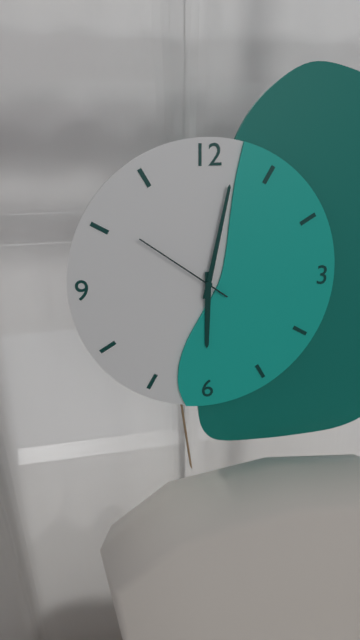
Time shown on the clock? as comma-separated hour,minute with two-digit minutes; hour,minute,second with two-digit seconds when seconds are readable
6,02,51
